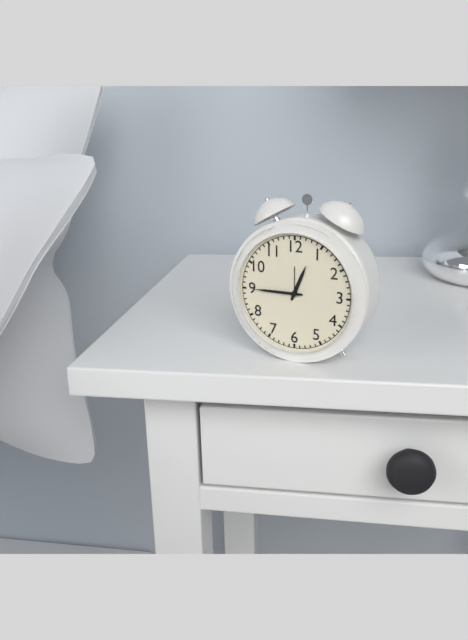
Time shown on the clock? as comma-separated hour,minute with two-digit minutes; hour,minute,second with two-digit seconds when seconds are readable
12,45
